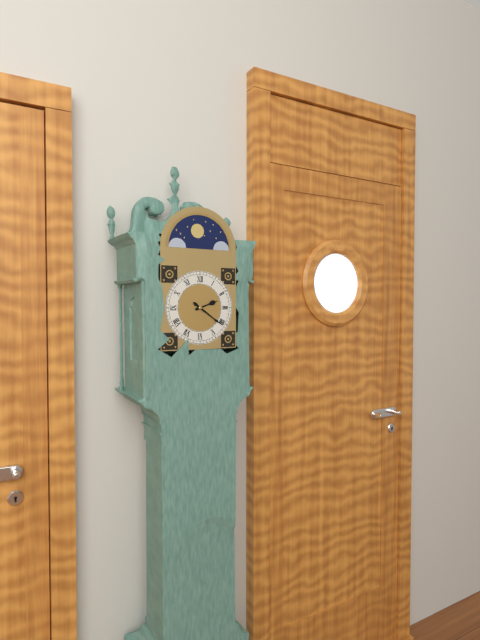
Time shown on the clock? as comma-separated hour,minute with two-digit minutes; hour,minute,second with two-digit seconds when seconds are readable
2,21
